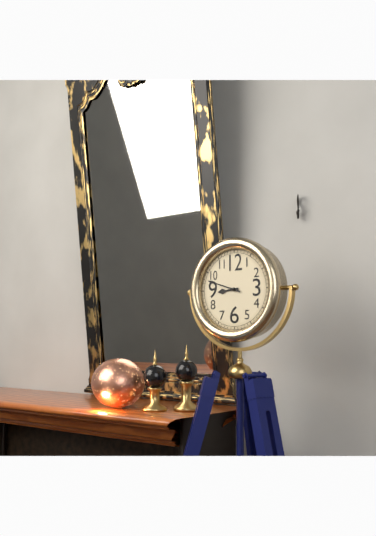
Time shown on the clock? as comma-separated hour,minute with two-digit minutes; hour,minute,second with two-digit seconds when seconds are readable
8,48
